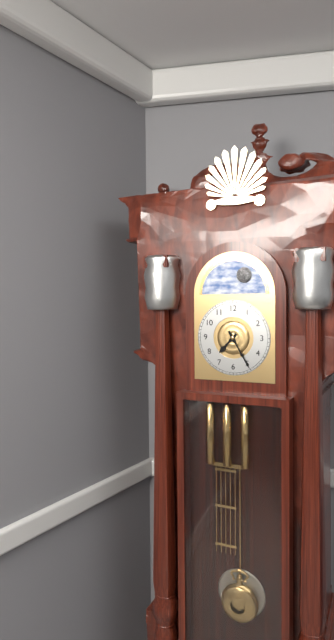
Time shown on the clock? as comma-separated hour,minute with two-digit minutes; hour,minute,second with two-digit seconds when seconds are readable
7,25
